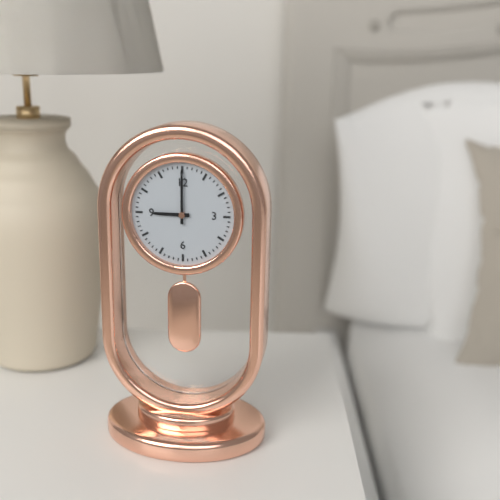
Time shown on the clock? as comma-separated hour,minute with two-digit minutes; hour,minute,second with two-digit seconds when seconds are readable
9,00
